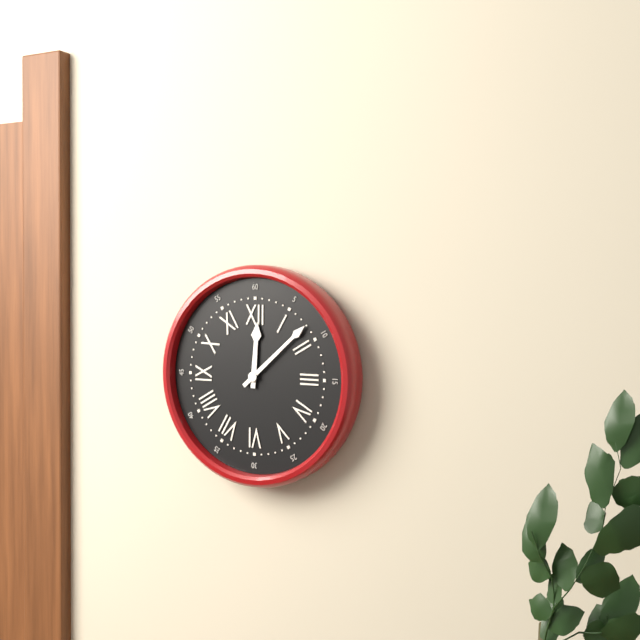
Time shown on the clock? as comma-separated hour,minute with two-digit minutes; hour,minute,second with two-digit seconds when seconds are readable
12,08
